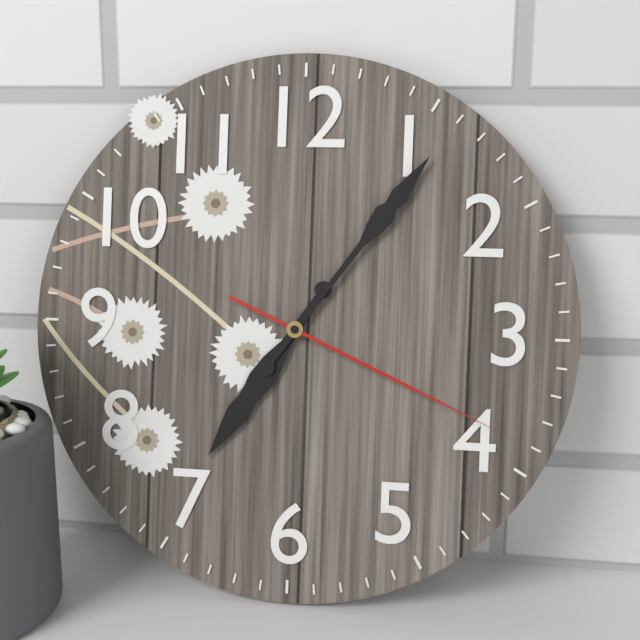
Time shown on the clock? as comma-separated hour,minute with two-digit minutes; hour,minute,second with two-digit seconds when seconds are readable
7,06,19
